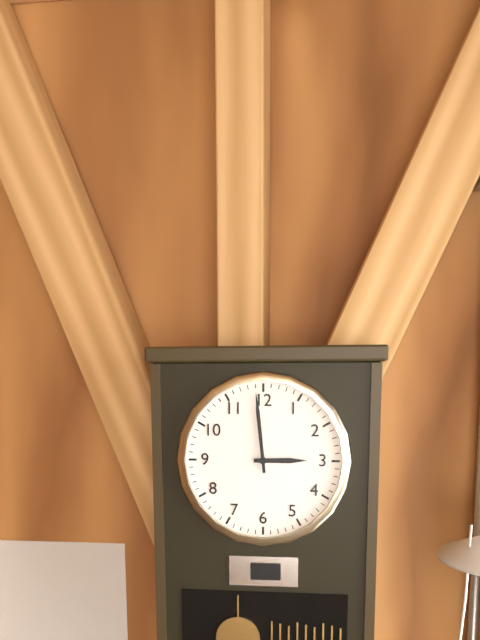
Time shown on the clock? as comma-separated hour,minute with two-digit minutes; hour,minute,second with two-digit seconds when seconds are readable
2,59
